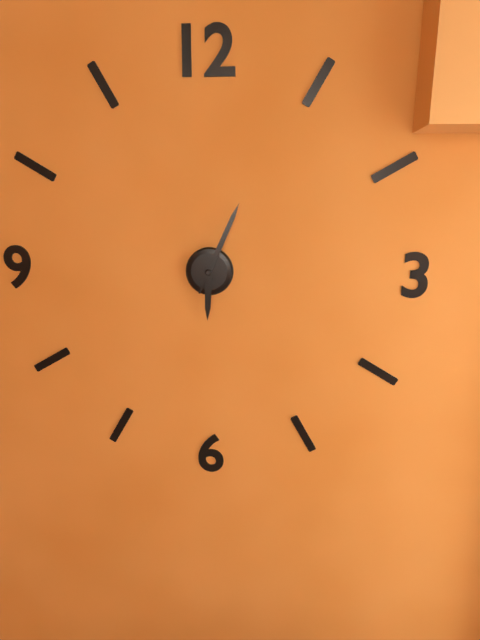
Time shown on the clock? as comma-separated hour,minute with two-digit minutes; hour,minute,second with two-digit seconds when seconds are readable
6,04,04
